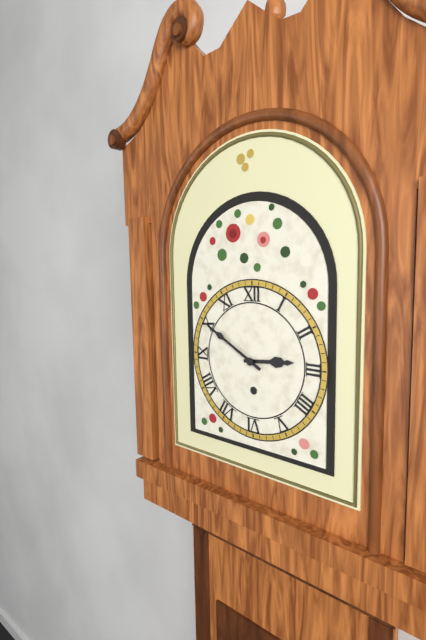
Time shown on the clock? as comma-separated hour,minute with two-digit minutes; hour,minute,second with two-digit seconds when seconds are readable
2,50
